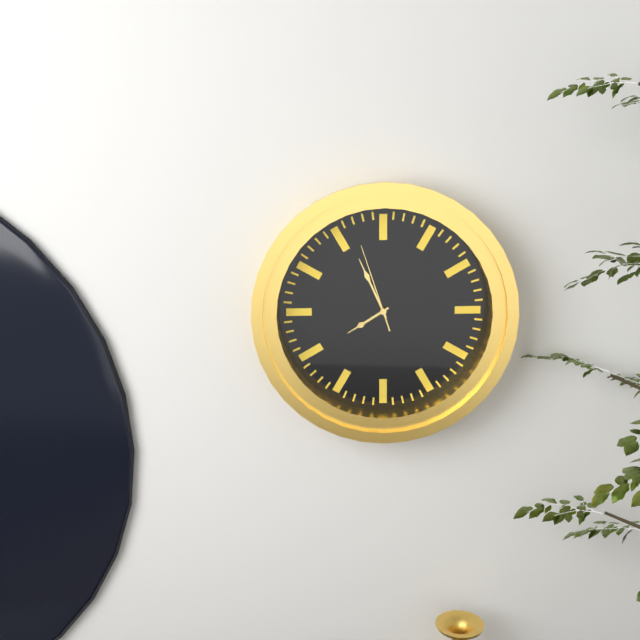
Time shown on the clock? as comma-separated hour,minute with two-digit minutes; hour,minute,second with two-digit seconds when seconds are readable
7,56,57
